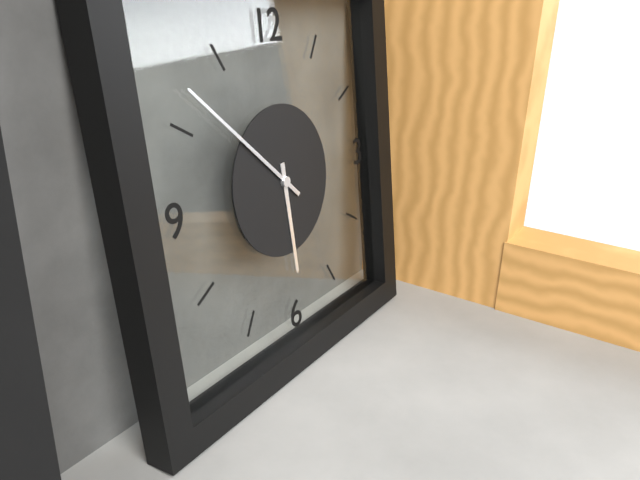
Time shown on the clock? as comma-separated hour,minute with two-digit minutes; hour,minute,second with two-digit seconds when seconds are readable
5,52
